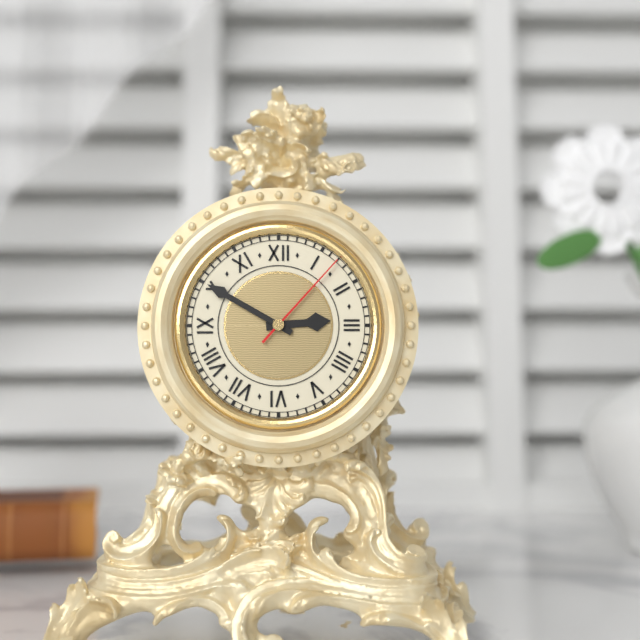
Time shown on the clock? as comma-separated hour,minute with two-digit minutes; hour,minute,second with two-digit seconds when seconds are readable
2,50,07
